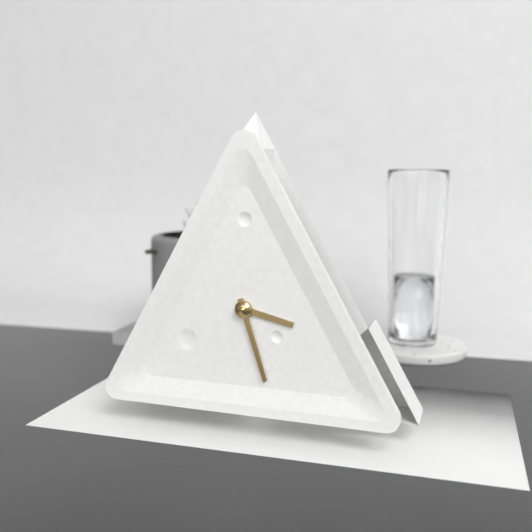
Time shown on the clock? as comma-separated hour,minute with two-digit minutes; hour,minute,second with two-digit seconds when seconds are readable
3,27
